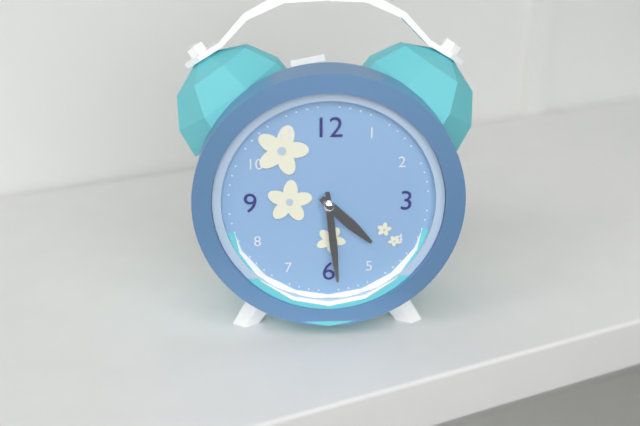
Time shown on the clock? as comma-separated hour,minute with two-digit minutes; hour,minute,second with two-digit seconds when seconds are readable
4,29
